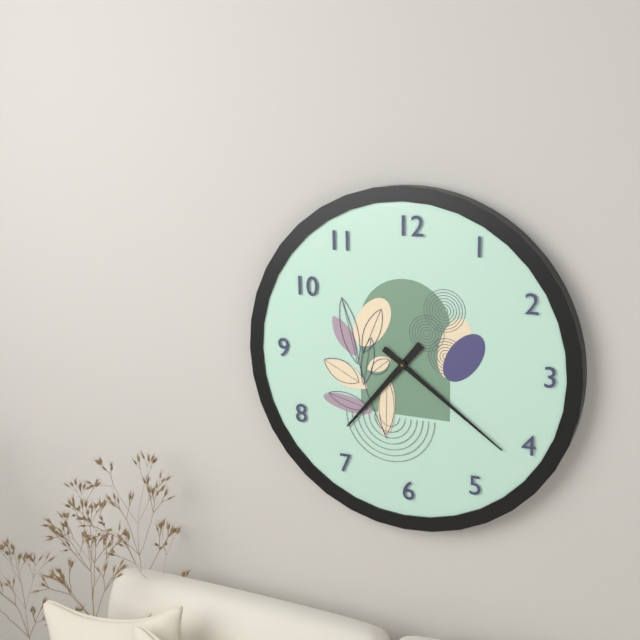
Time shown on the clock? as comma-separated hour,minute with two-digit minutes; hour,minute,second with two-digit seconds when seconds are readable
7,21
